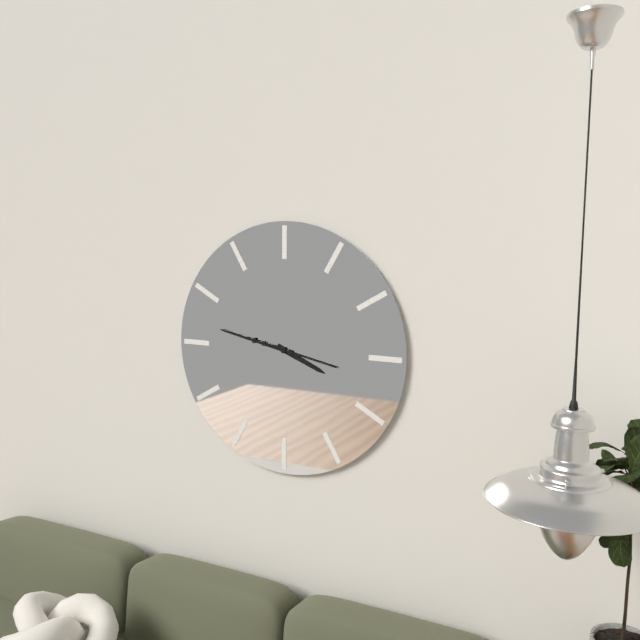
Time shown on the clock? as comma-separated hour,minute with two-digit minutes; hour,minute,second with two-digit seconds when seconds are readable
3,47,17
